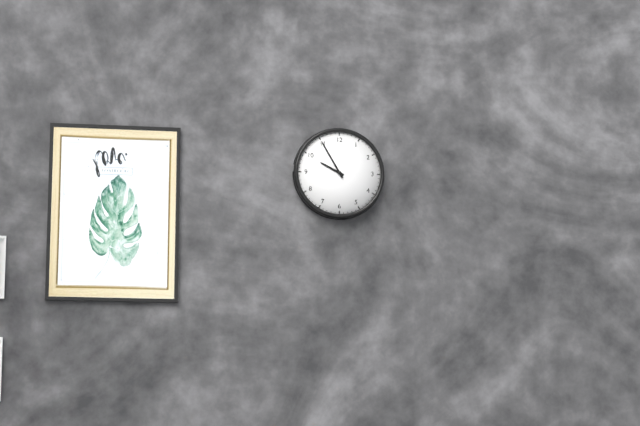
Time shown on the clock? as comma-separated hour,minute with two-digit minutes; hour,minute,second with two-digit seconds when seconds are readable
9,55
